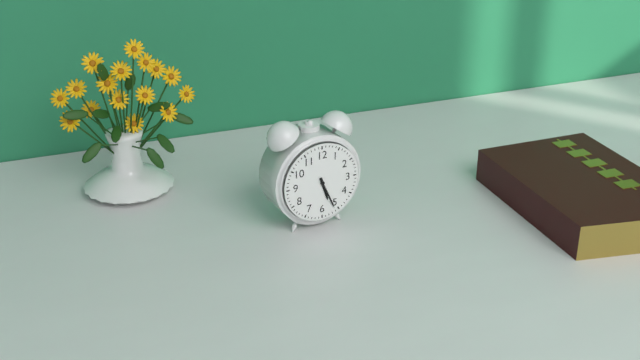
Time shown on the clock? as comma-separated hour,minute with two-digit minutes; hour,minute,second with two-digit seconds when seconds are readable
5,26
